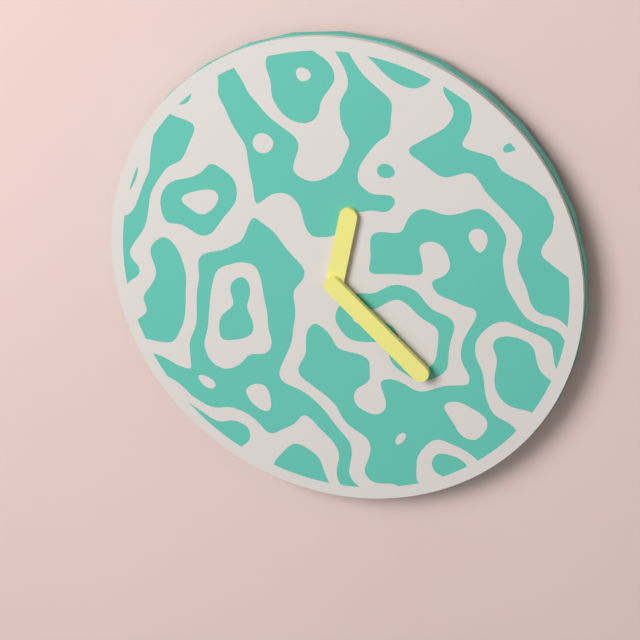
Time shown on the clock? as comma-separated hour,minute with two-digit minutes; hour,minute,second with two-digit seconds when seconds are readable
12,22
